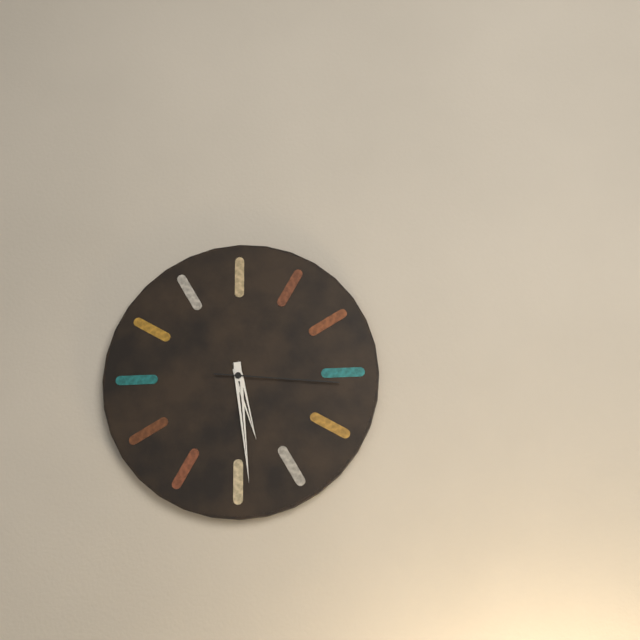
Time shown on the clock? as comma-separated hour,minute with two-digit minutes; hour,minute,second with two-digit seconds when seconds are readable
5,29,16
